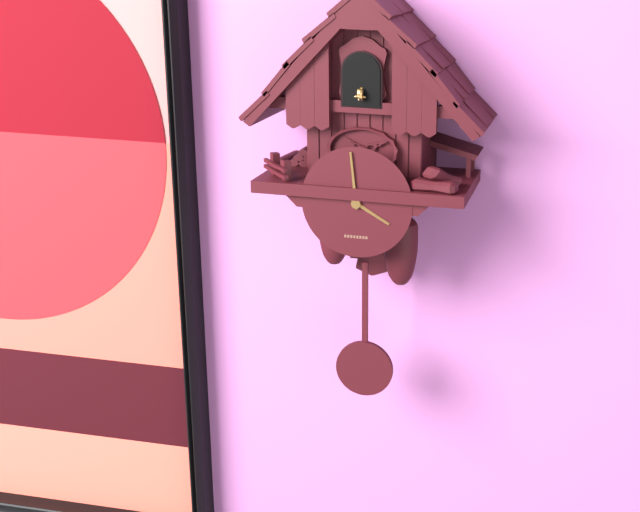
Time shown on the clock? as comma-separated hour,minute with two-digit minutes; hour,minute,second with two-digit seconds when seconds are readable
3,59
